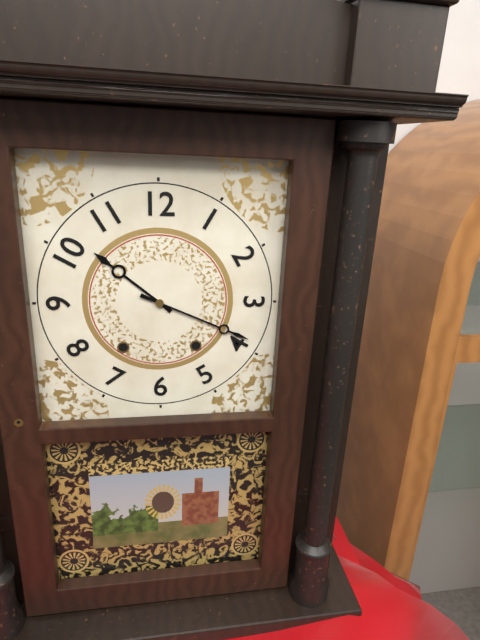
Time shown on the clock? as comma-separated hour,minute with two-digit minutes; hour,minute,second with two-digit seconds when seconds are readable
10,19
